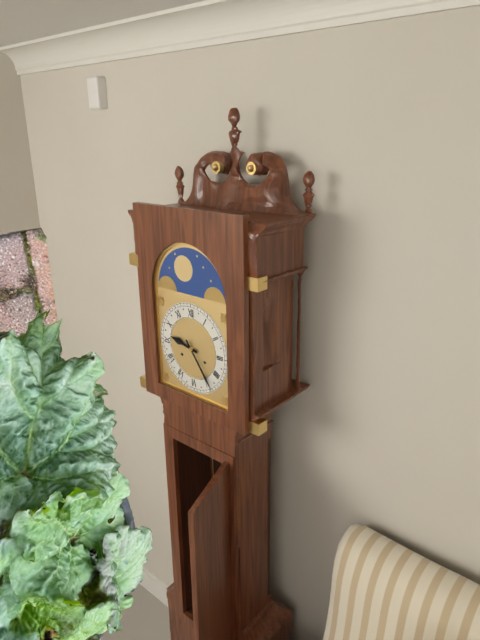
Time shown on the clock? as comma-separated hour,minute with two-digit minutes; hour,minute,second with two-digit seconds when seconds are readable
9,24
